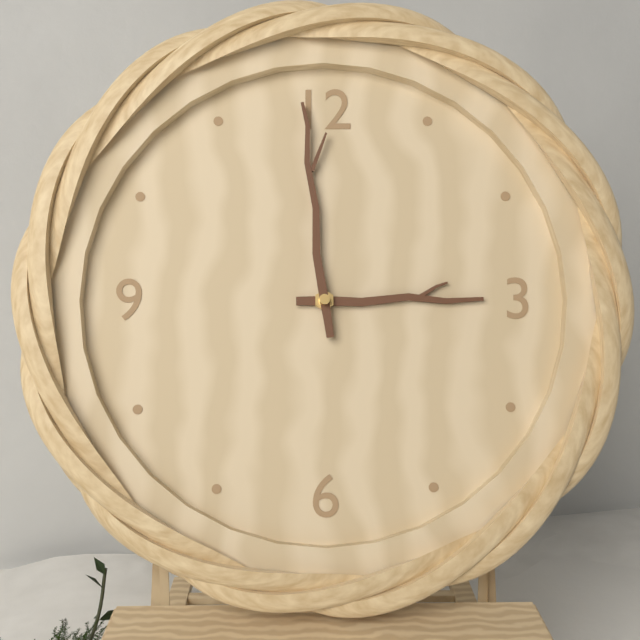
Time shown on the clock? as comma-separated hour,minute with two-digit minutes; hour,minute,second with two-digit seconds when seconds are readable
2,59
